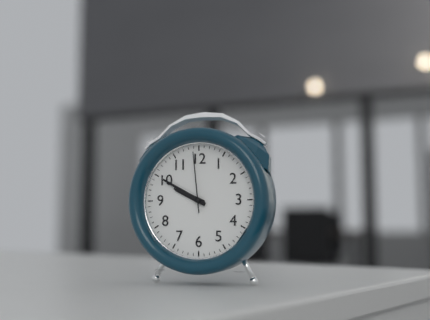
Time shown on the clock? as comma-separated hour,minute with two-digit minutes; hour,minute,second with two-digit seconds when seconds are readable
9,50,59
